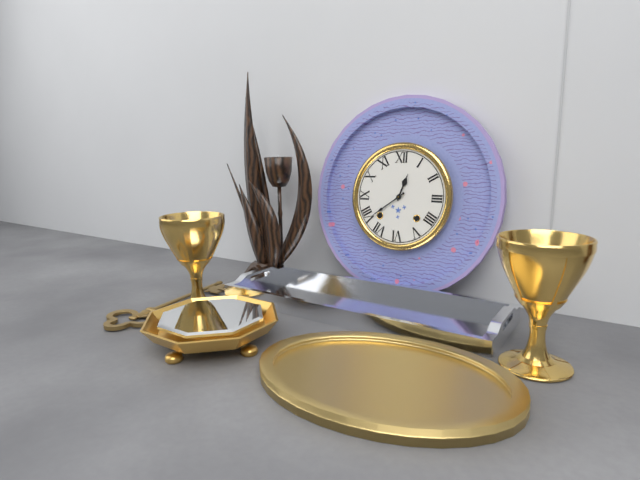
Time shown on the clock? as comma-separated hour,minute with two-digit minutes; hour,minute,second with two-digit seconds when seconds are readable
12,39
